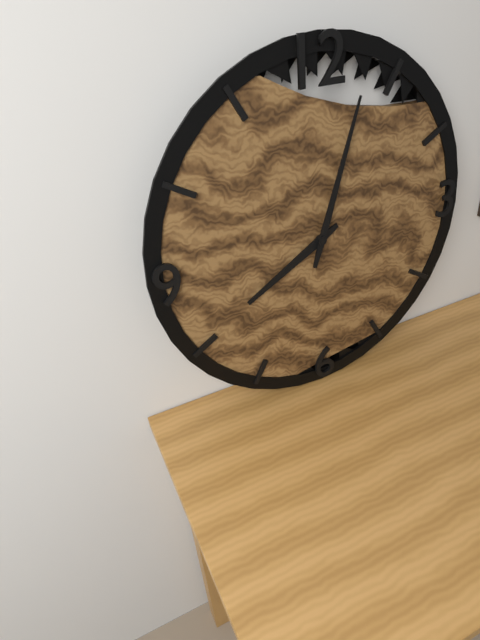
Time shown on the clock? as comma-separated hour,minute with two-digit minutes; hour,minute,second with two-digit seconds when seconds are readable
8,03
